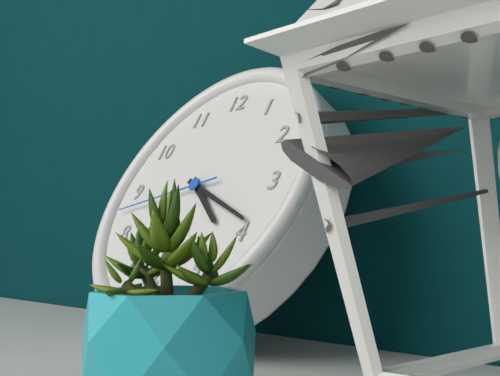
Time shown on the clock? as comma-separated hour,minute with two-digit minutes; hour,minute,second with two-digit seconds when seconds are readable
4,19,43
